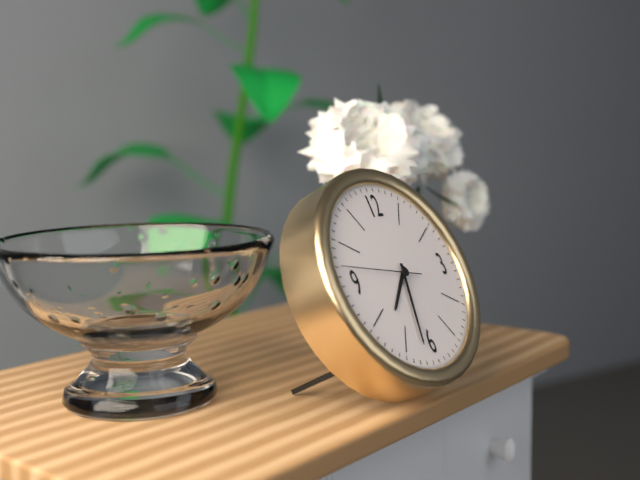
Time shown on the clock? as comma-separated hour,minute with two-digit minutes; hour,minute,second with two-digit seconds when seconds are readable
7,32,47
